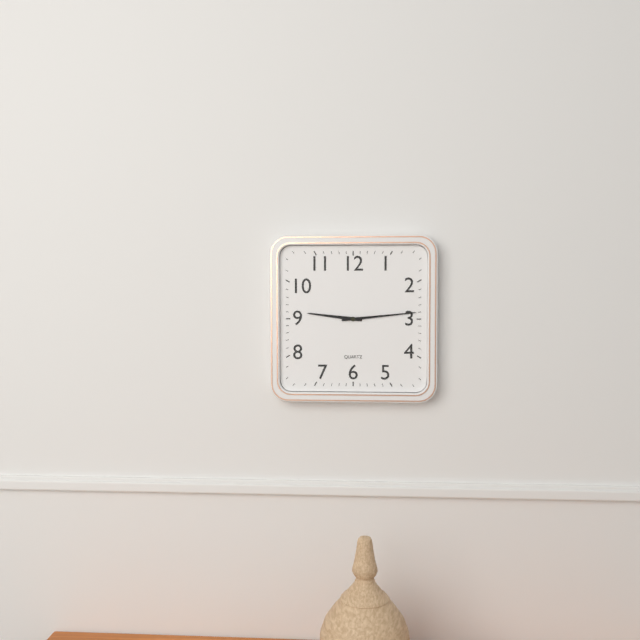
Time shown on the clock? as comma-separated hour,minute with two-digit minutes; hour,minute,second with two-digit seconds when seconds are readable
9,14
